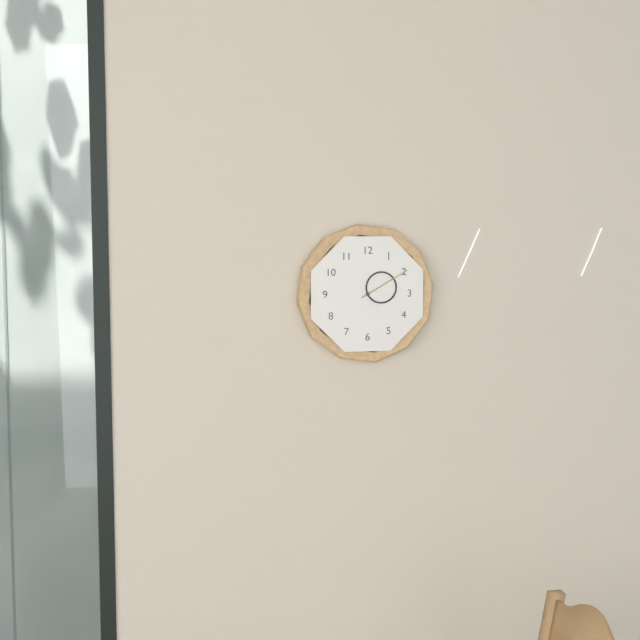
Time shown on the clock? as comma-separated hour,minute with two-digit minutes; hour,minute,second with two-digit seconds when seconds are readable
2,10
